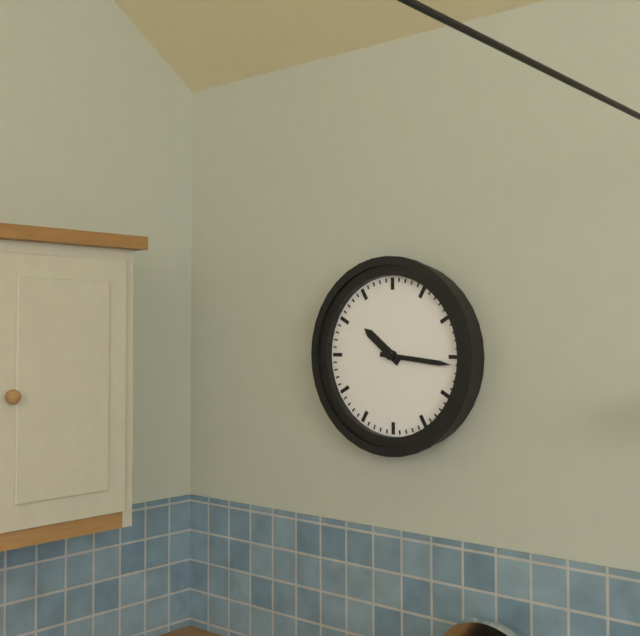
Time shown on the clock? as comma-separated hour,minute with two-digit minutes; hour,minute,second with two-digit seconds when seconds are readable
10,16
